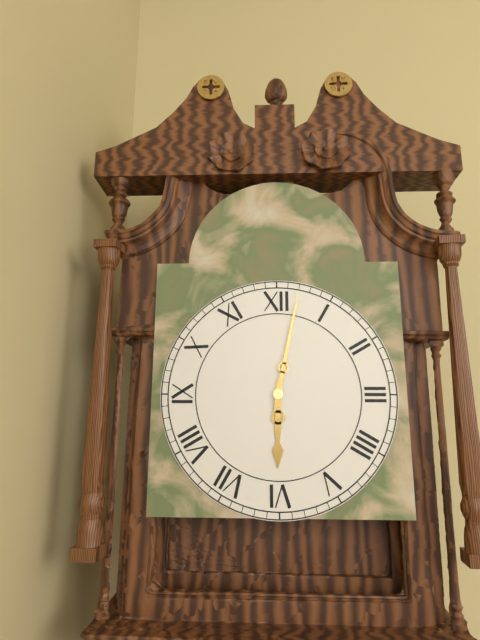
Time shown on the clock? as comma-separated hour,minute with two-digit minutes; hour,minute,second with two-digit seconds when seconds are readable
6,02
